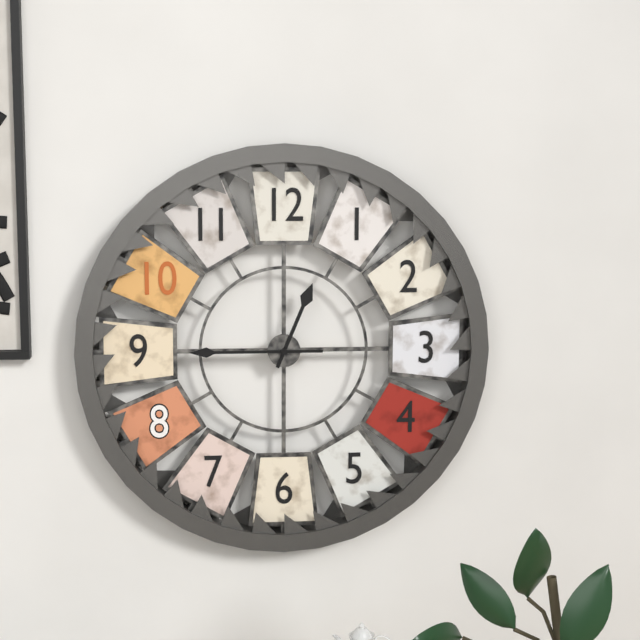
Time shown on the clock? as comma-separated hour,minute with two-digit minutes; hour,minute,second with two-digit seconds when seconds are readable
12,45
